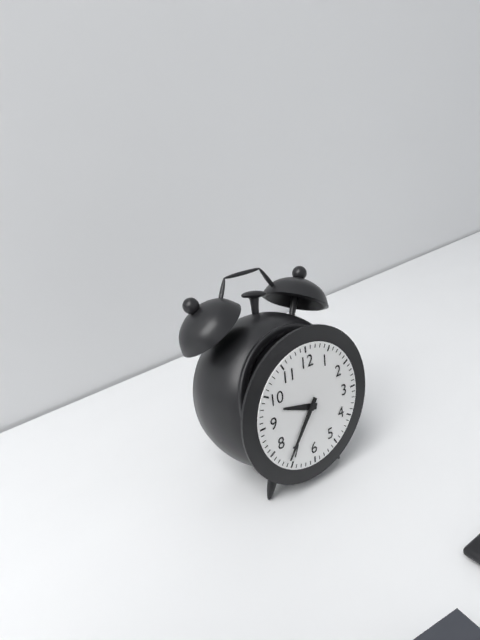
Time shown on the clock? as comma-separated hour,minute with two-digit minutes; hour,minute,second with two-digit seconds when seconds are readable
9,36
